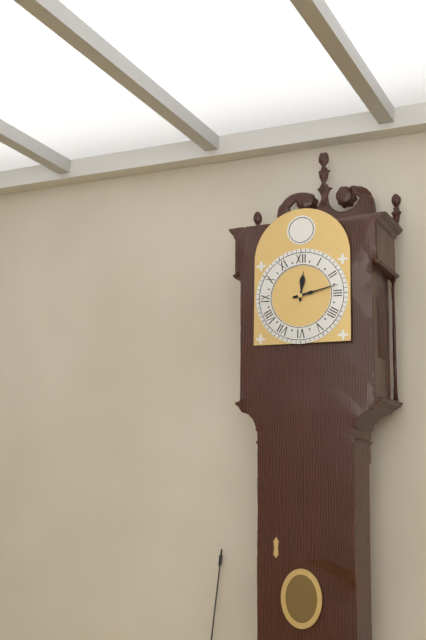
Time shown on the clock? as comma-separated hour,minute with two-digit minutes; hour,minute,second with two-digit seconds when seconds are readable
12,13
